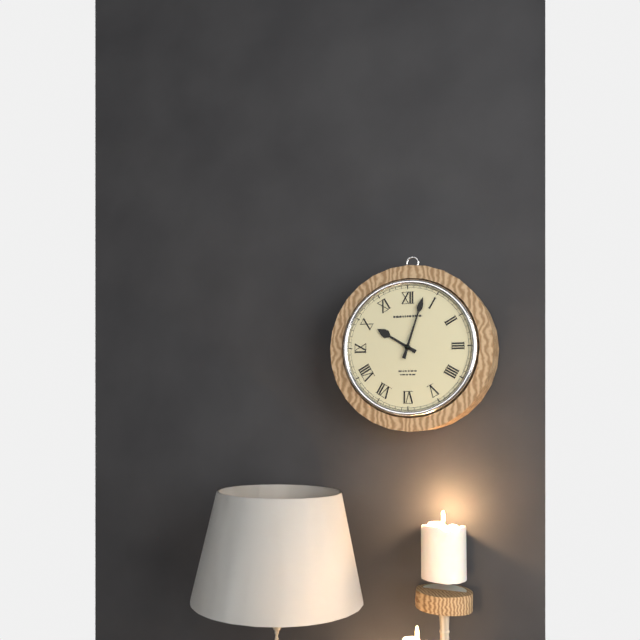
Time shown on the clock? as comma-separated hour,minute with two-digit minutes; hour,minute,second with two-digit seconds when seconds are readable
10,03
